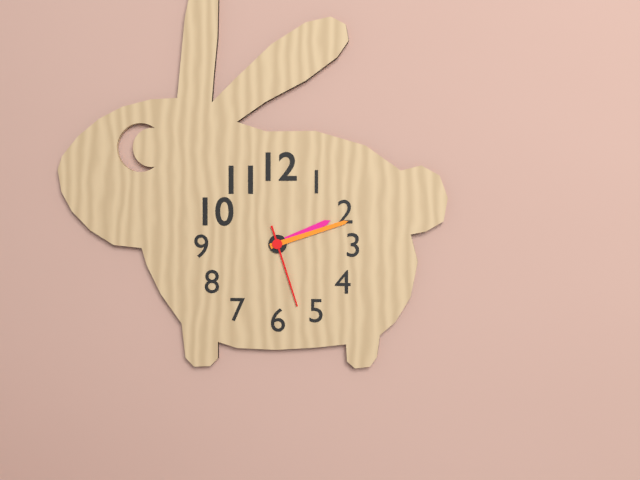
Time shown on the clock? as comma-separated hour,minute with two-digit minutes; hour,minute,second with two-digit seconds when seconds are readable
2,12,27
